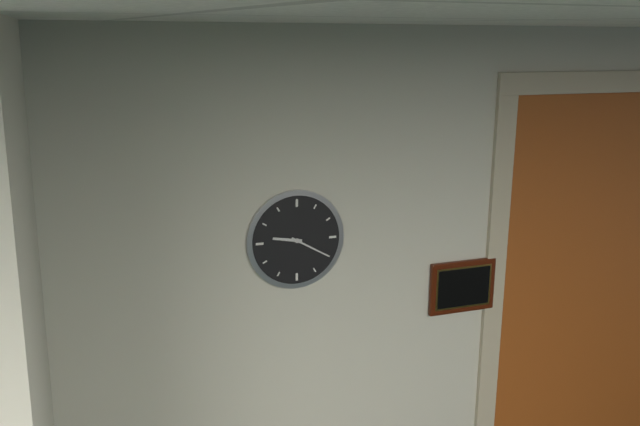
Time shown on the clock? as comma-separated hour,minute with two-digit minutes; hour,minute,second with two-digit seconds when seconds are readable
9,20
